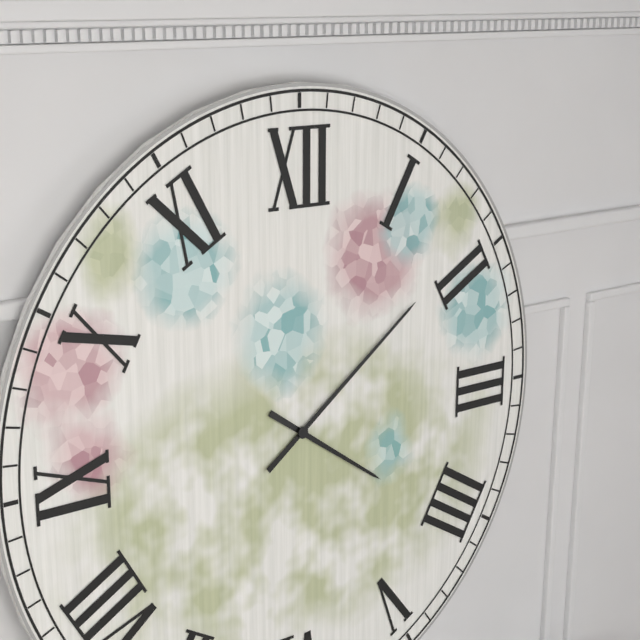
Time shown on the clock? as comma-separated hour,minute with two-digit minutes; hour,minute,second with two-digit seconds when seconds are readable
4,09
